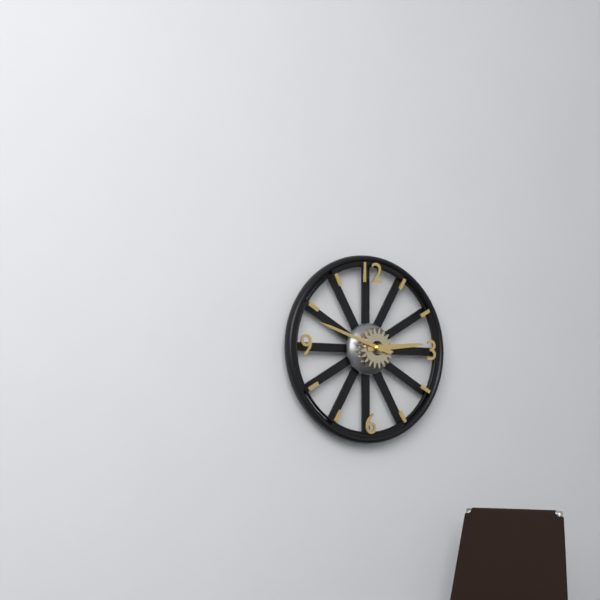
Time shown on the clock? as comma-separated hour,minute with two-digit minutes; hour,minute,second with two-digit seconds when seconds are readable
2,48
